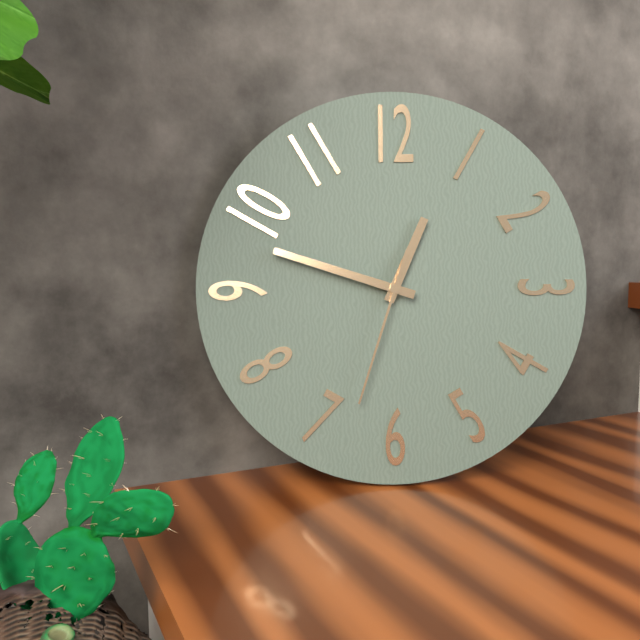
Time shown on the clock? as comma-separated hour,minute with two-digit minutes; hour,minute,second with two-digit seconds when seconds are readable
12,48,33
